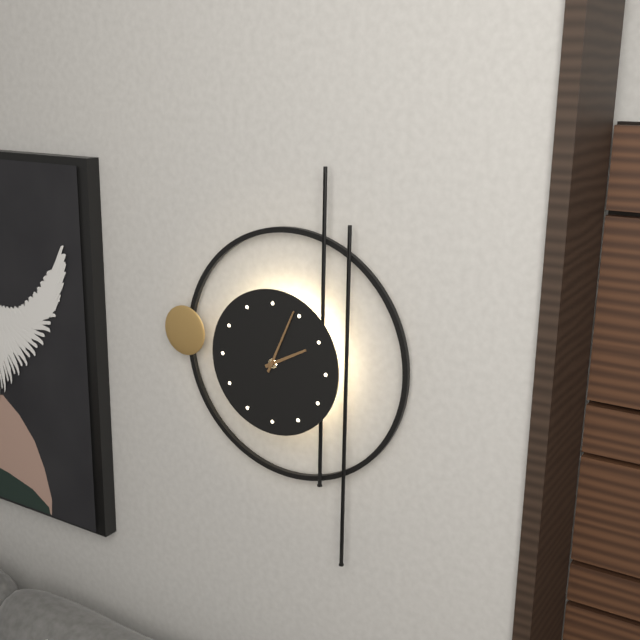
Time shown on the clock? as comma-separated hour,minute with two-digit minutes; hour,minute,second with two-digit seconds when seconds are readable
2,04
